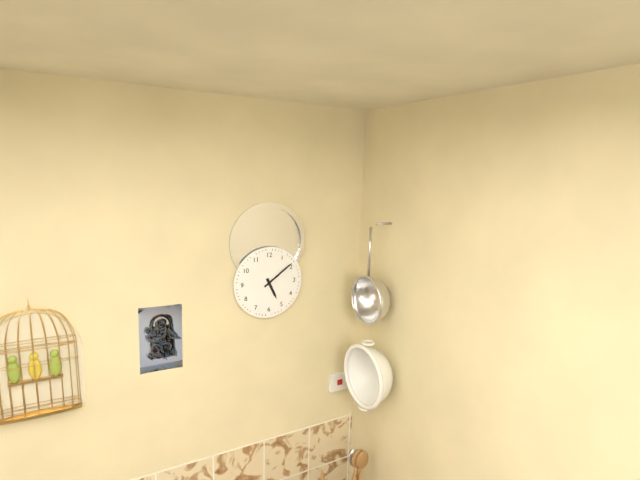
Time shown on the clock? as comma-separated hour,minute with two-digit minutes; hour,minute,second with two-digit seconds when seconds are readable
5,09
